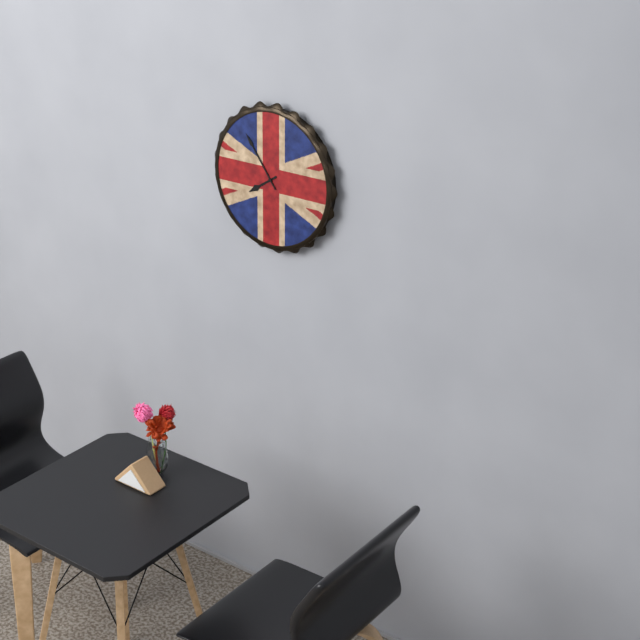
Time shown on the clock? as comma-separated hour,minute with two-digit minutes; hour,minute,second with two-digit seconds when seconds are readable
7,54
